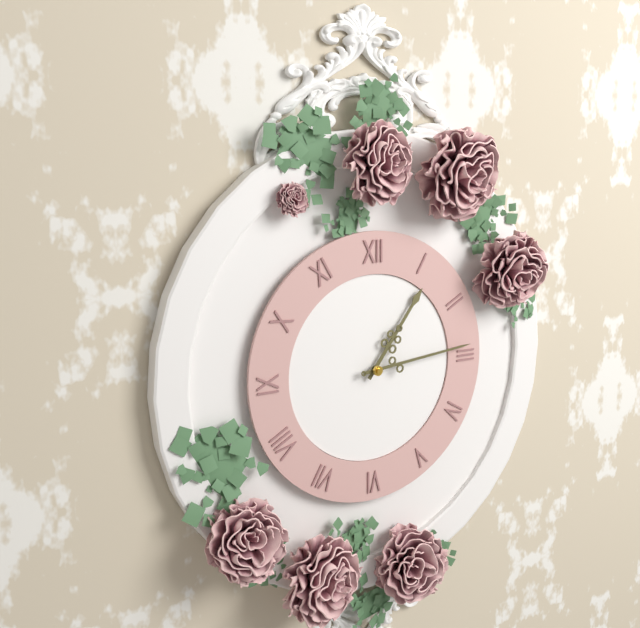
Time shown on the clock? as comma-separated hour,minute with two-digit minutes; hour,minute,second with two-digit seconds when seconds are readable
1,14
